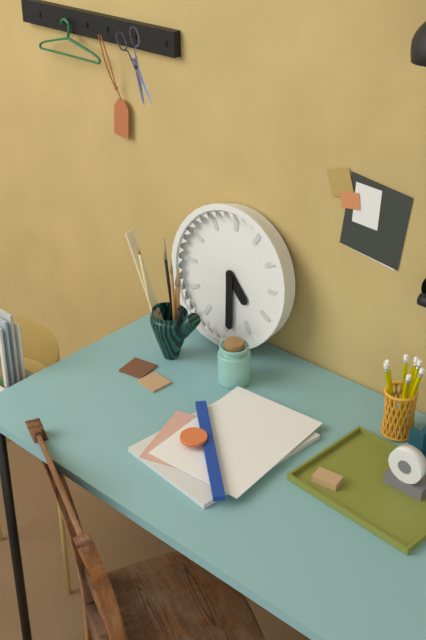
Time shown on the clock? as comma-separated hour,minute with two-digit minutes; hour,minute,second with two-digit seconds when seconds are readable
4,29
